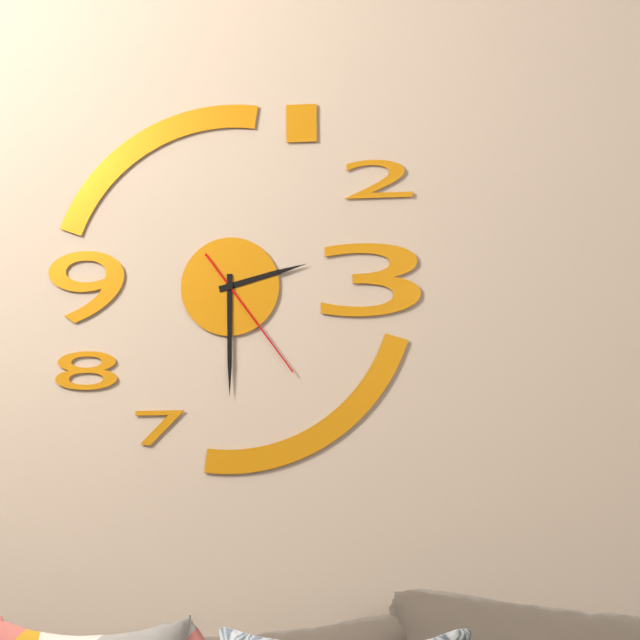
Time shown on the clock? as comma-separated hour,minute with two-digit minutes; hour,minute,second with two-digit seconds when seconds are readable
2,30,24
